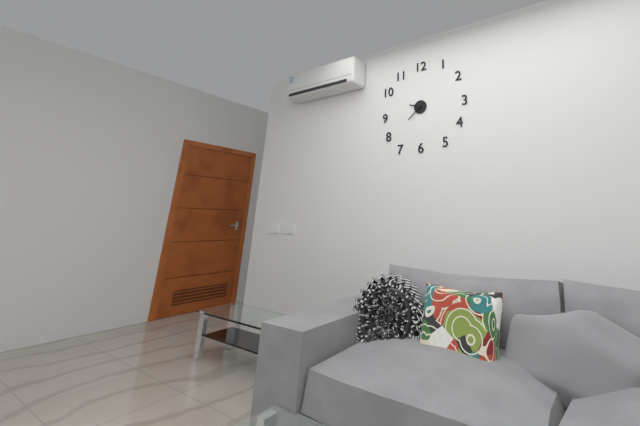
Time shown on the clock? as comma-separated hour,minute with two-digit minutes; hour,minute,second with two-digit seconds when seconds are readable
9,38
